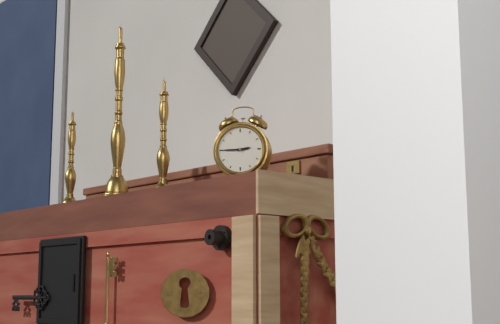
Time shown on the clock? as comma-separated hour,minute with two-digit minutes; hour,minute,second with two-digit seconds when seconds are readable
2,45
